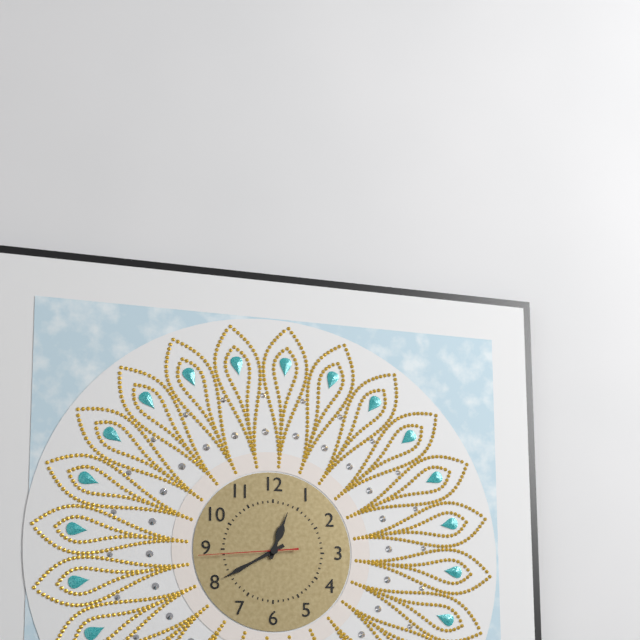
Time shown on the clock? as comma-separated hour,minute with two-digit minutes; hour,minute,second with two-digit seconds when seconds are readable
12,40,44
